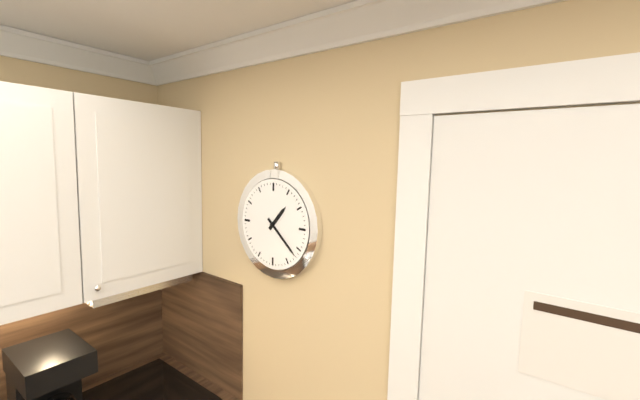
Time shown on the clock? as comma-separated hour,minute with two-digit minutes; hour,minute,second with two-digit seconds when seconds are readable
1,22
